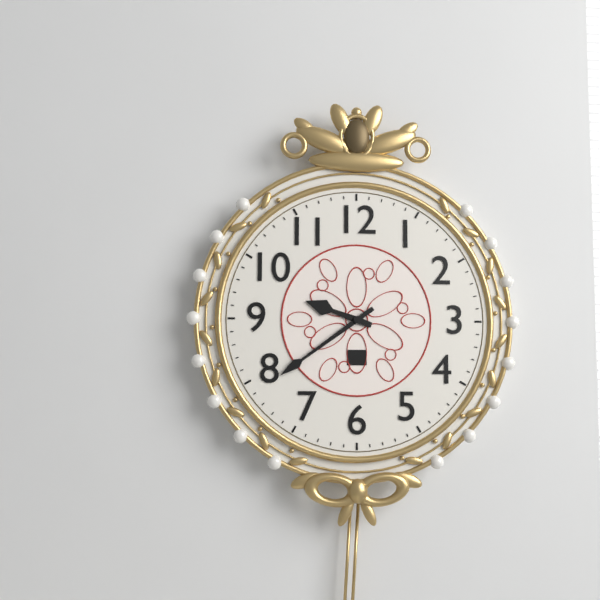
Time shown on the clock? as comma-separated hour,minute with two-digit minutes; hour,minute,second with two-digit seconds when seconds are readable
9,39
